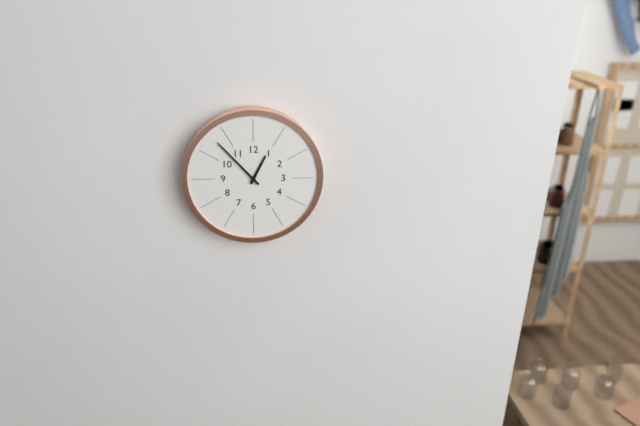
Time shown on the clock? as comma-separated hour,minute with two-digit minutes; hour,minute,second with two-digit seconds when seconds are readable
12,53
